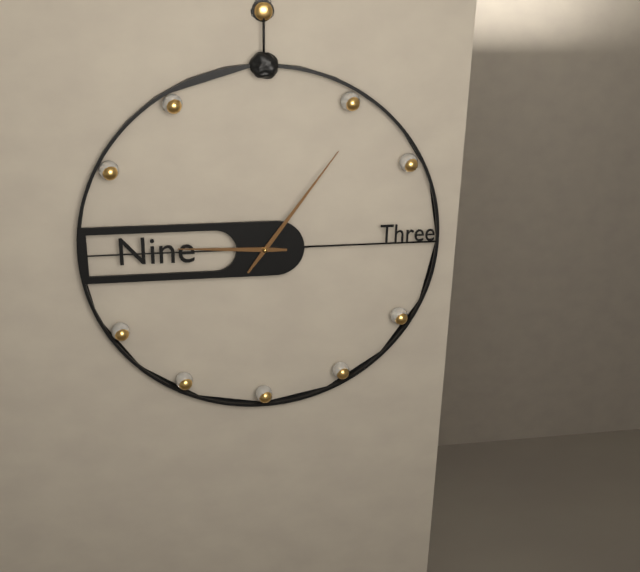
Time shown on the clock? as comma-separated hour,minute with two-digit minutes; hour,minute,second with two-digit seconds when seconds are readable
9,06
